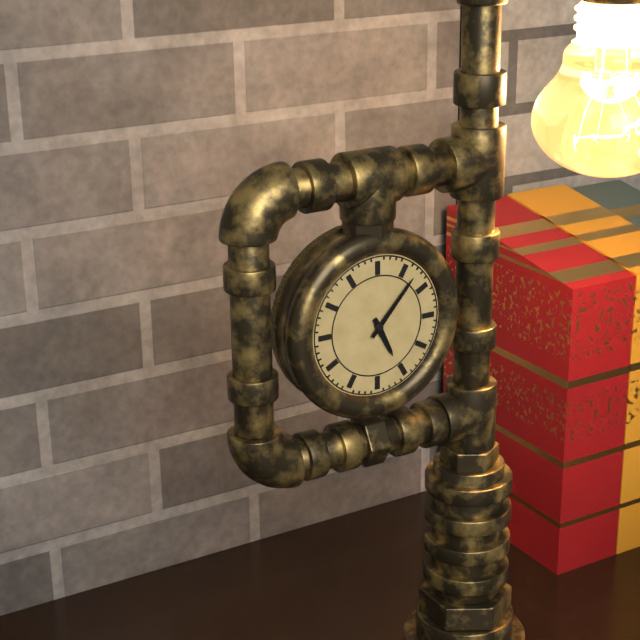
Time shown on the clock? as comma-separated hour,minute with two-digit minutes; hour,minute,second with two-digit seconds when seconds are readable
5,07
